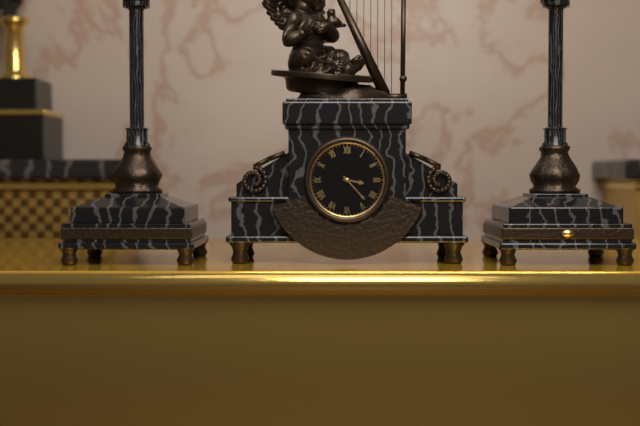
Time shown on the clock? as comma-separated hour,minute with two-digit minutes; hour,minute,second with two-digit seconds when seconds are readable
3,23
